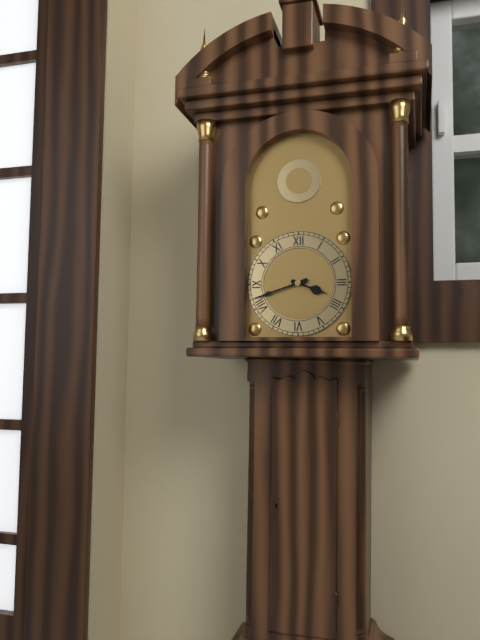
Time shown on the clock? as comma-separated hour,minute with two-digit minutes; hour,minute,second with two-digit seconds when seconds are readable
3,42
